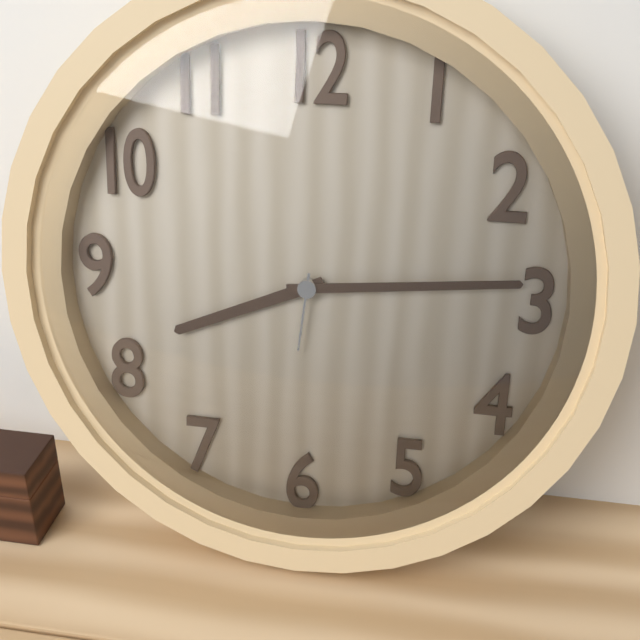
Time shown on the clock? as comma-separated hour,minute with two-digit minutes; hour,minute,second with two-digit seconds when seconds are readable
8,14,31
